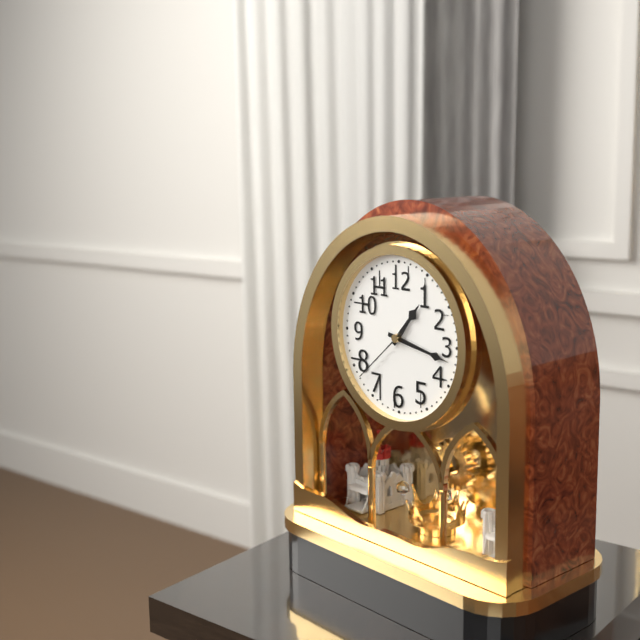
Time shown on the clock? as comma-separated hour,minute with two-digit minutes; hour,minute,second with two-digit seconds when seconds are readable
1,17,38
